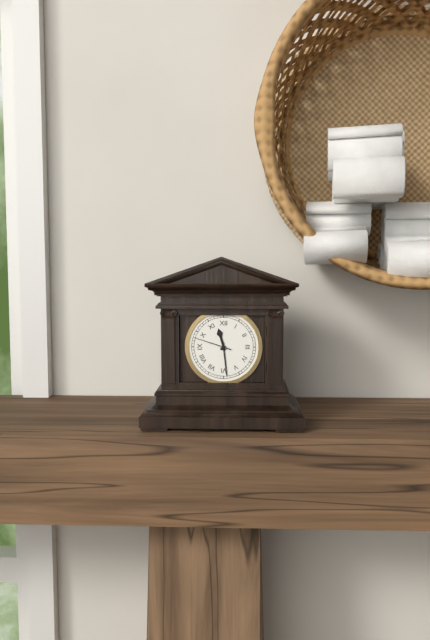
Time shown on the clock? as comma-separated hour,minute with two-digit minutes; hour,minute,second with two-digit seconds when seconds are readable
11,29
